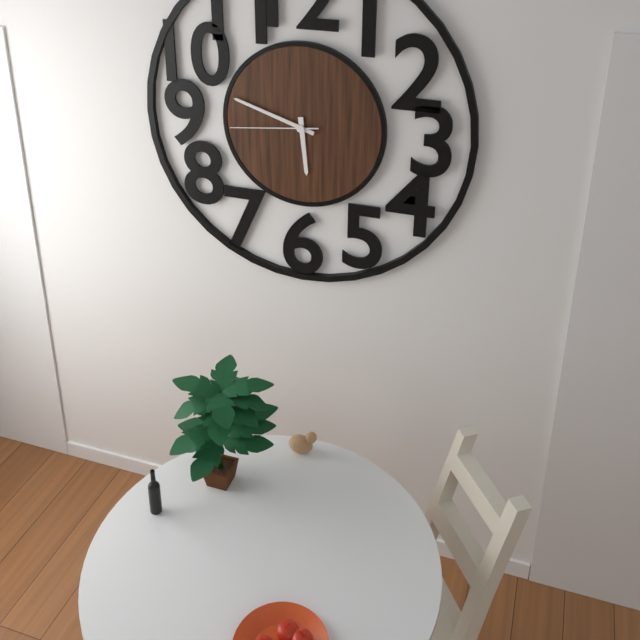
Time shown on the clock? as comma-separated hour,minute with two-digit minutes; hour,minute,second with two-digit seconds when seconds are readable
5,48,44
